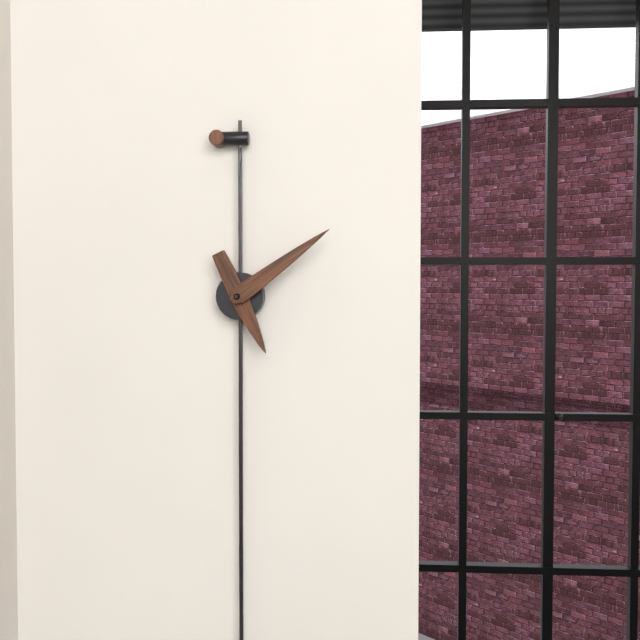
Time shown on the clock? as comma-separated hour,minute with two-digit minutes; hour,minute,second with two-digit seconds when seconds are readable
5,09
